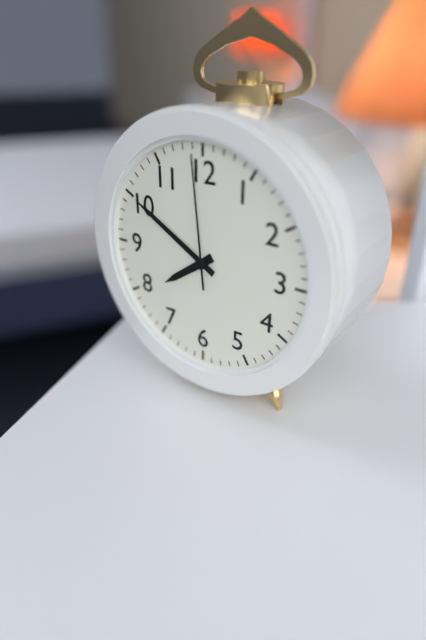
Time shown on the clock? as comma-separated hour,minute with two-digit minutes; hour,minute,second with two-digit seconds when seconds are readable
7,50,59
